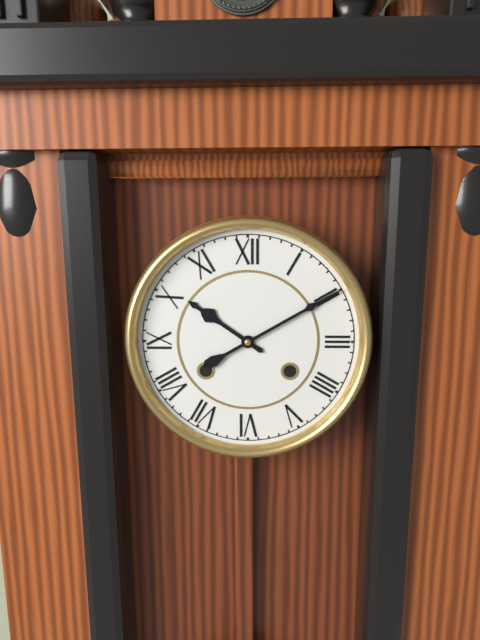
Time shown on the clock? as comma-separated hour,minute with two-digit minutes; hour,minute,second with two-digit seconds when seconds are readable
10,10
